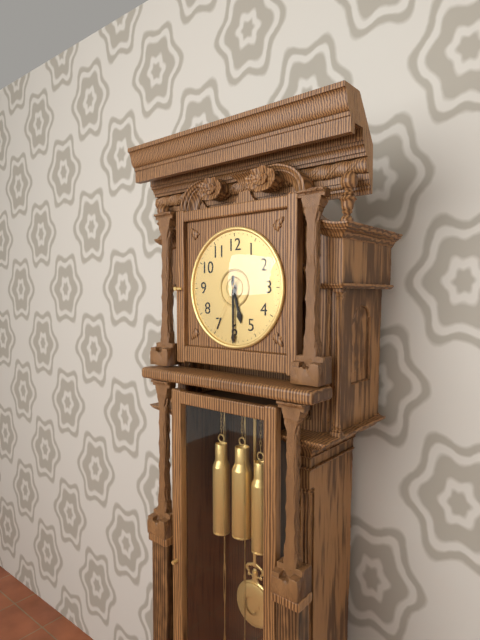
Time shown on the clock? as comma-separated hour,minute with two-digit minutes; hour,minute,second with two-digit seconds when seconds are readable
5,30,35
